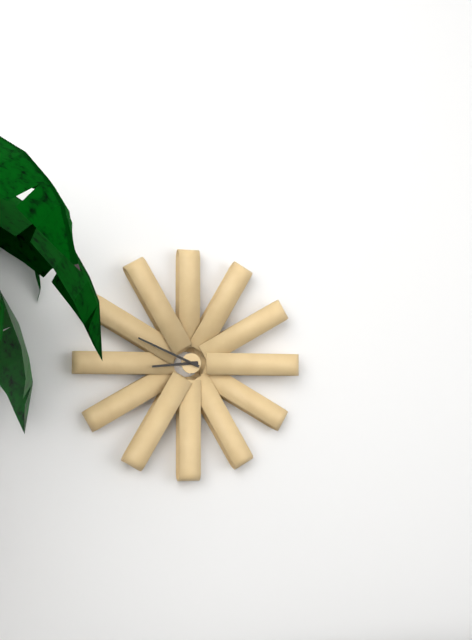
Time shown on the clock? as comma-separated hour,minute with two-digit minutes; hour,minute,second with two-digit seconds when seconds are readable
8,49
